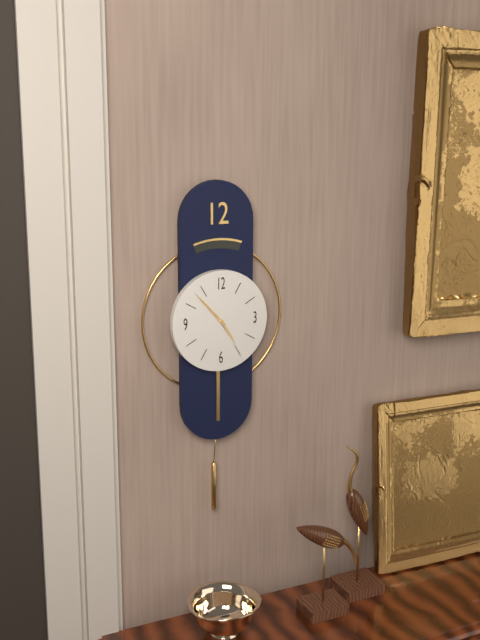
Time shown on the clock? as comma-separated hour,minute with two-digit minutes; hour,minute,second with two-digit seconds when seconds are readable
4,53,25
